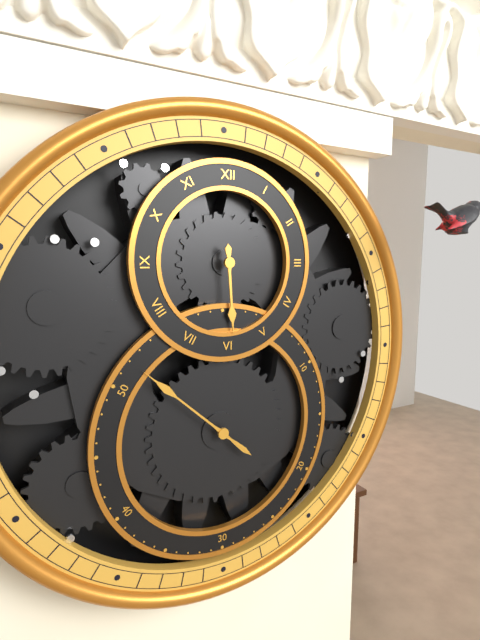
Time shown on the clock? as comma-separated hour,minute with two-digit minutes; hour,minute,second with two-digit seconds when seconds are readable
5,52
